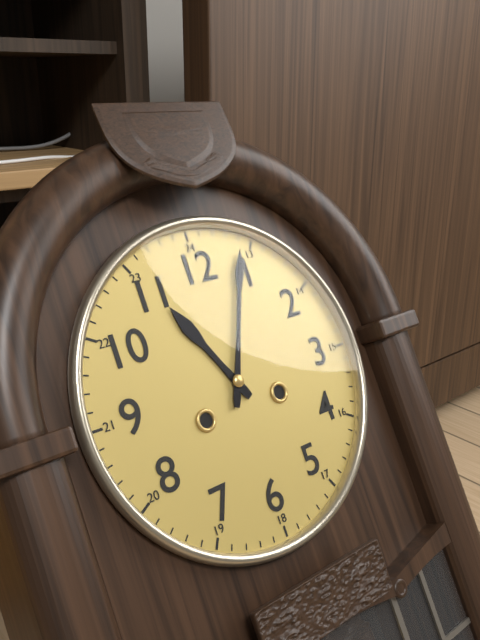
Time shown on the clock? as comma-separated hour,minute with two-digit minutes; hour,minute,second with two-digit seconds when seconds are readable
11,04
